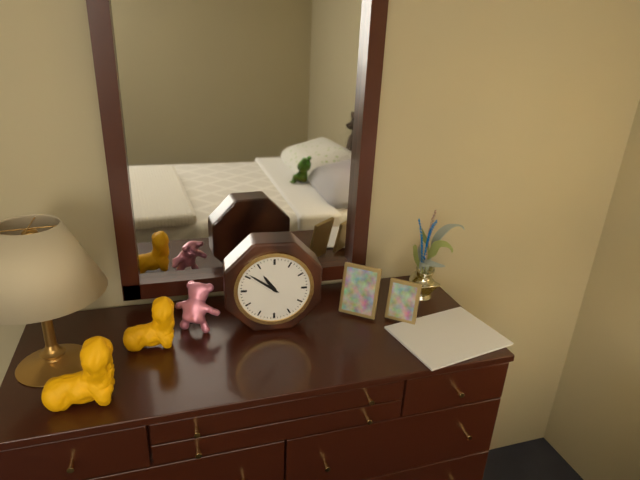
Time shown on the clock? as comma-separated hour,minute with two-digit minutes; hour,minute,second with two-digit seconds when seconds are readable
10,51
